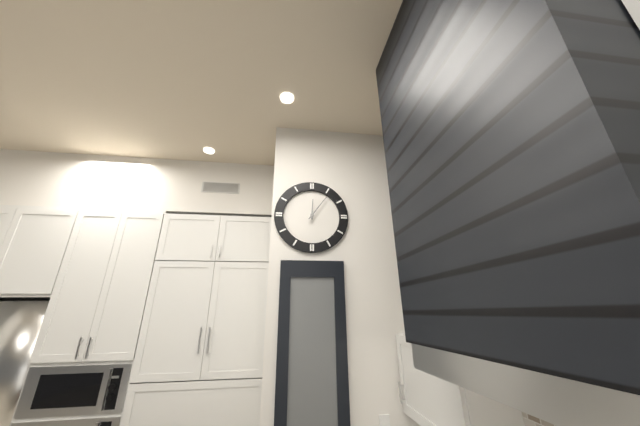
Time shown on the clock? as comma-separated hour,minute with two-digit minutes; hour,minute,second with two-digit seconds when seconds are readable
12,06
